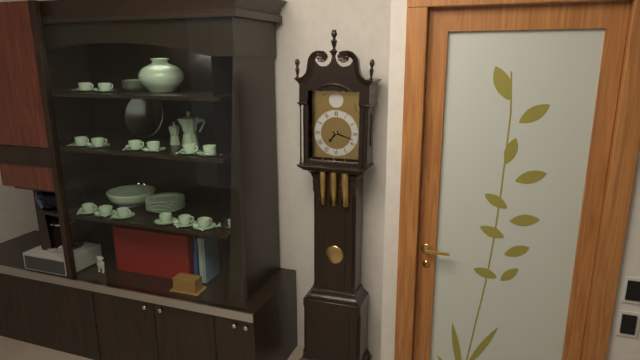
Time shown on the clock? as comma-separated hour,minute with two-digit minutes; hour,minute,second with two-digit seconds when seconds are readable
7,18
